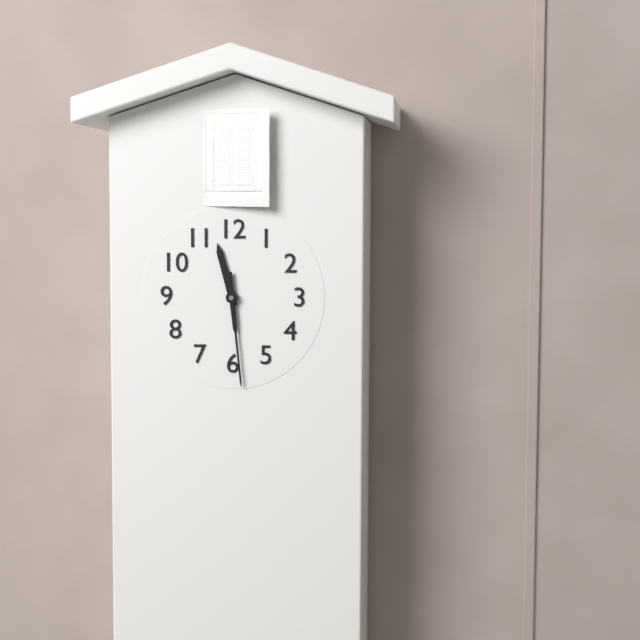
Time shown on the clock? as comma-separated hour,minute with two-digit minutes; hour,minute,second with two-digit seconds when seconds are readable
11,29
